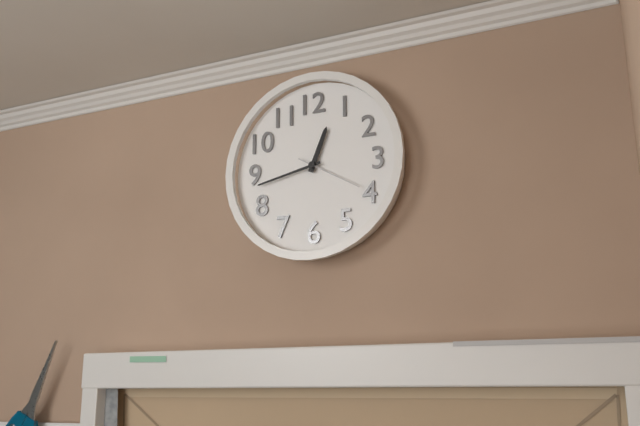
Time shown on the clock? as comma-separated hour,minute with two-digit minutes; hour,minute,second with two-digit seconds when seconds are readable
12,43,20
